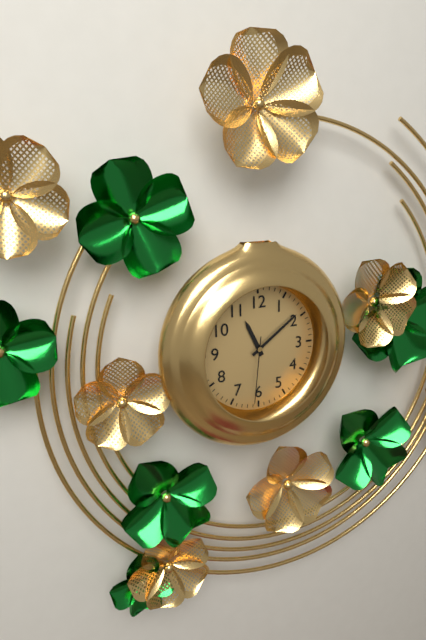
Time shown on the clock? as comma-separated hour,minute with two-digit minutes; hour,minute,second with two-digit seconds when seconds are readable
11,09,31
